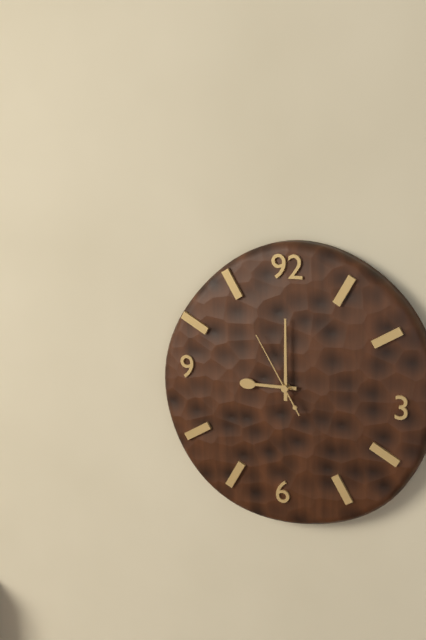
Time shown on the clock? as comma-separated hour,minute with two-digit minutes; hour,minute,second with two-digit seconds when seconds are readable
9,00,55
